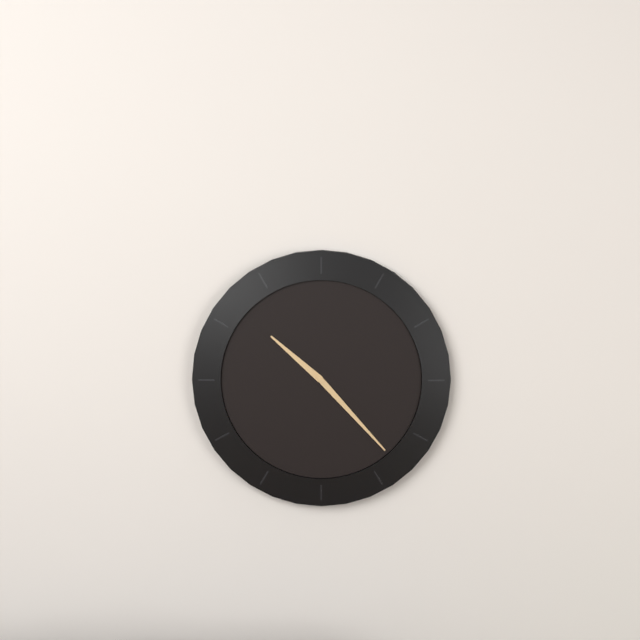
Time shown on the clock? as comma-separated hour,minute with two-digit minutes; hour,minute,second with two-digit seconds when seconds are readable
10,23
